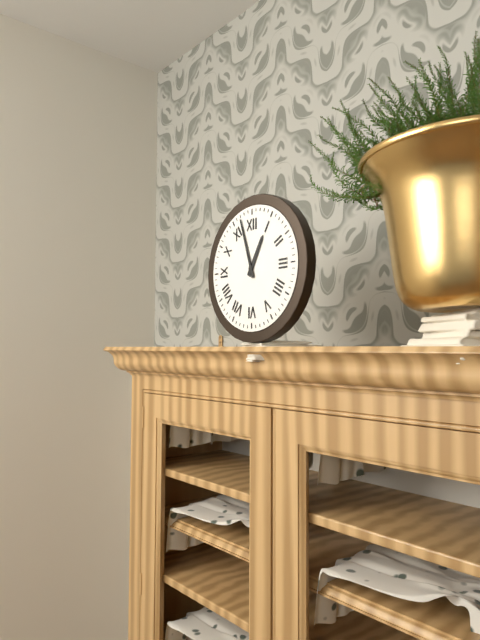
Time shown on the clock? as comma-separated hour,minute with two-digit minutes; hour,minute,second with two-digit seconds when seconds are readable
12,57
